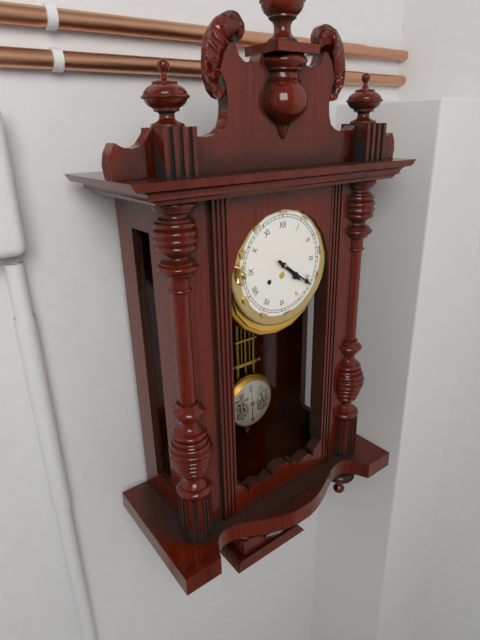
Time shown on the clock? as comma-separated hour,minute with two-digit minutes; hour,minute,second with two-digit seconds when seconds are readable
4,21
